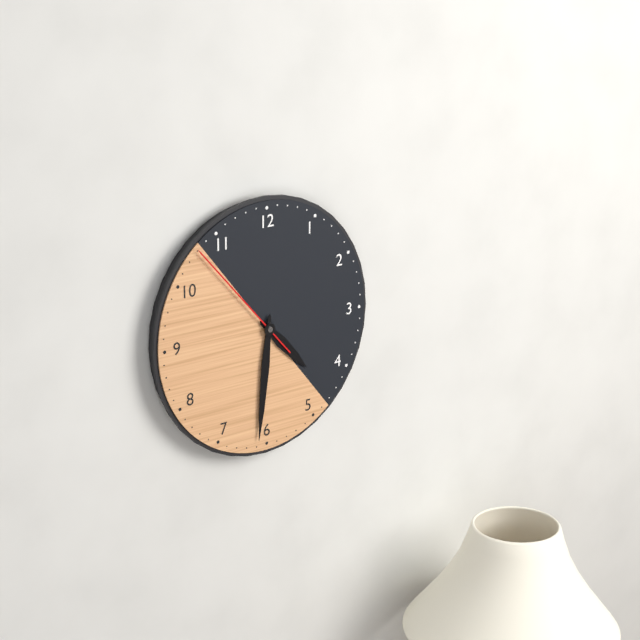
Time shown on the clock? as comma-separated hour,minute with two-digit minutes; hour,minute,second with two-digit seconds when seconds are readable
4,31,53
